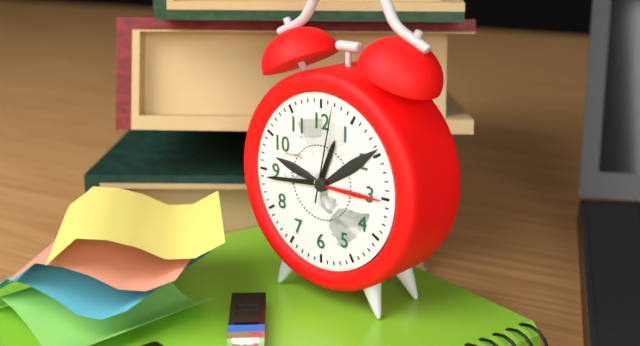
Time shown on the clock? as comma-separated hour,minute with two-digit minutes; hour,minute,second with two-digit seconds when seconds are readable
12,44,02
